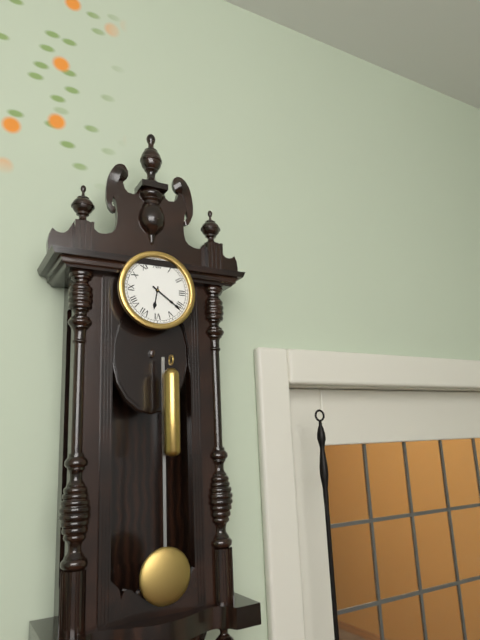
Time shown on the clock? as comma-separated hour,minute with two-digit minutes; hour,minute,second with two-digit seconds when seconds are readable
6,21
